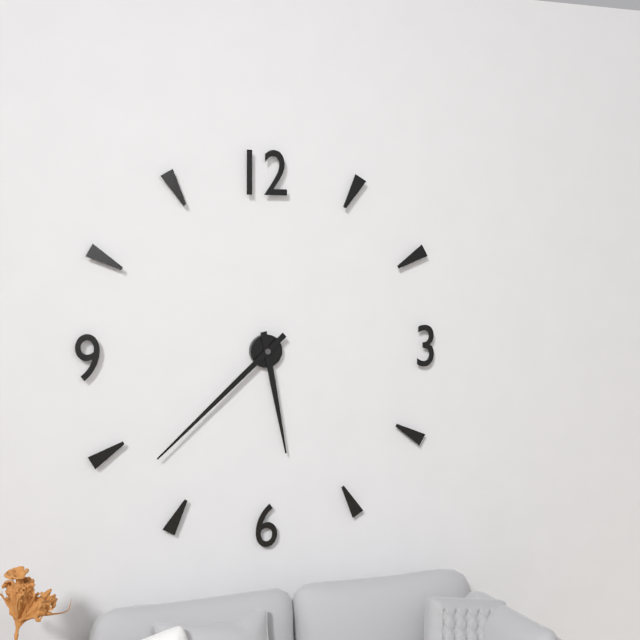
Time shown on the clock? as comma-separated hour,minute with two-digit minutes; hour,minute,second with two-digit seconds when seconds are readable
5,38
